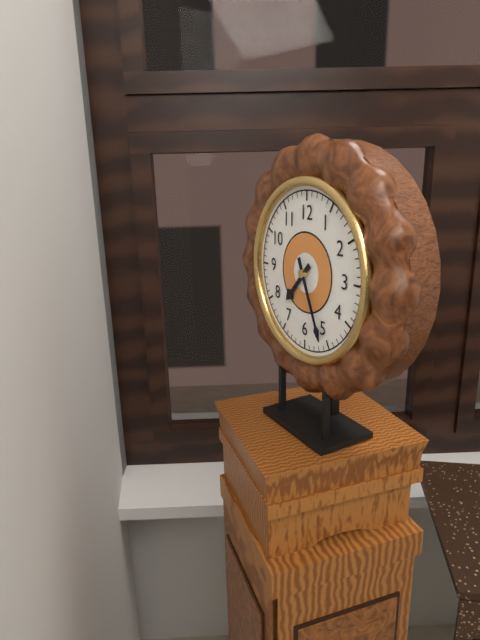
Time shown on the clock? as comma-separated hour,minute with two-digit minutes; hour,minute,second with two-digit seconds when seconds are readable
7,26
